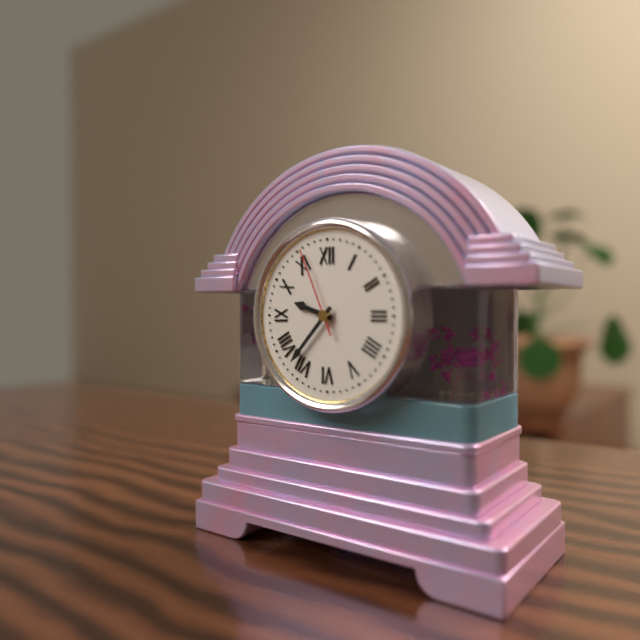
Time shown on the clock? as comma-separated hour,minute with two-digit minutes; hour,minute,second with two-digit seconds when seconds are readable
9,37,56
